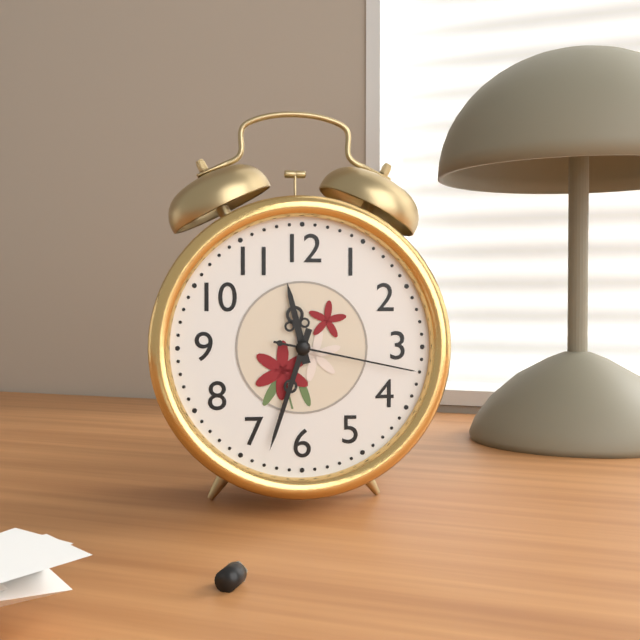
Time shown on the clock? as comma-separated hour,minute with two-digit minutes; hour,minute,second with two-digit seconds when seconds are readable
11,33,17
